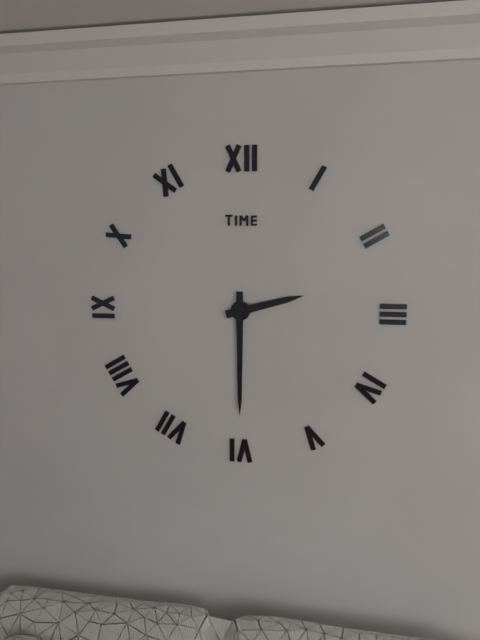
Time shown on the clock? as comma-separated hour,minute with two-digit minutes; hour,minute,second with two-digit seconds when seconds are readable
2,30
